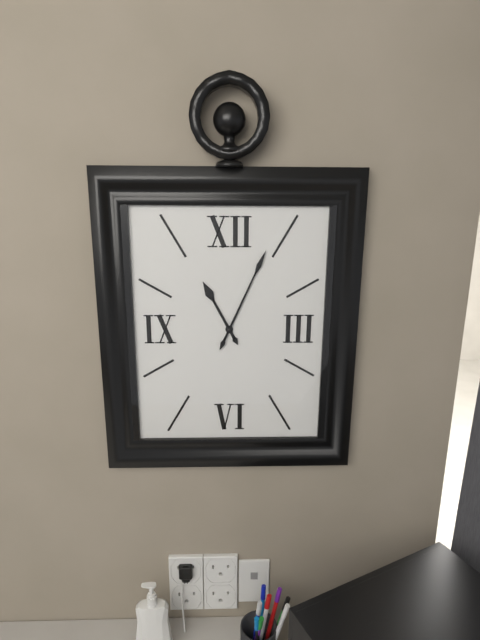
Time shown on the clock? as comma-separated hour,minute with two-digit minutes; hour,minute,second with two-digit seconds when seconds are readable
11,04
